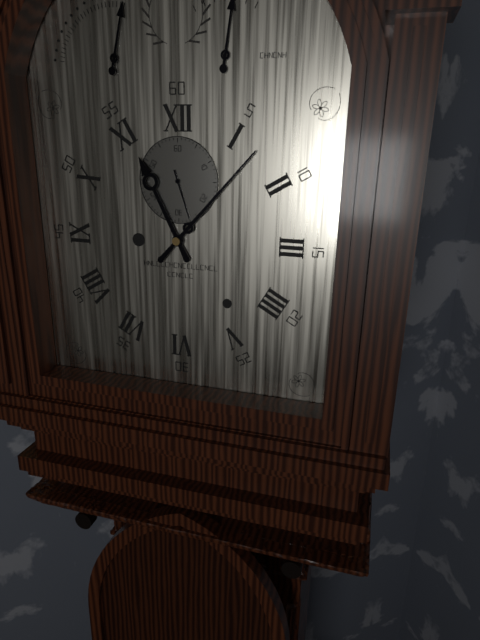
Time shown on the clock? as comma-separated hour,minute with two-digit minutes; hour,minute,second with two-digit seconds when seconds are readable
11,07
